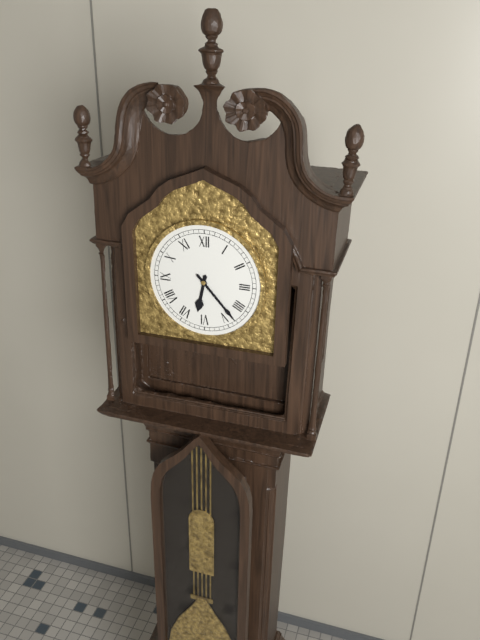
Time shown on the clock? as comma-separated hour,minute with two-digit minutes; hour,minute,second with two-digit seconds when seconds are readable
6,23
